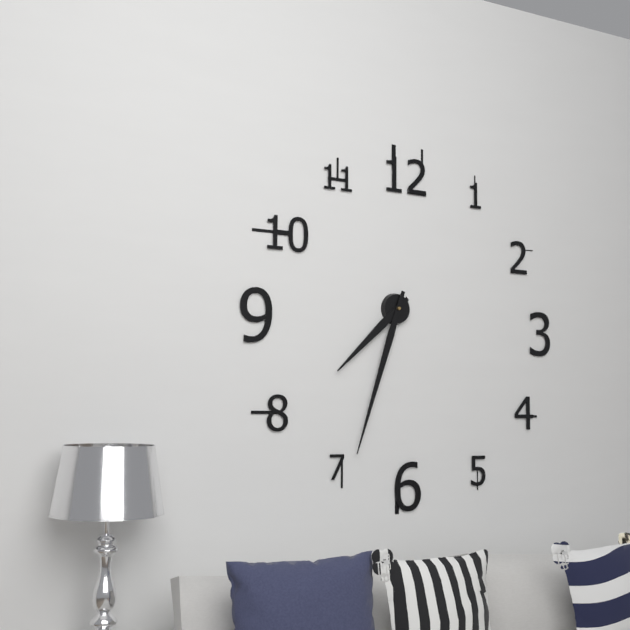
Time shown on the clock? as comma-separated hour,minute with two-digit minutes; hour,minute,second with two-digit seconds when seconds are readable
7,33
